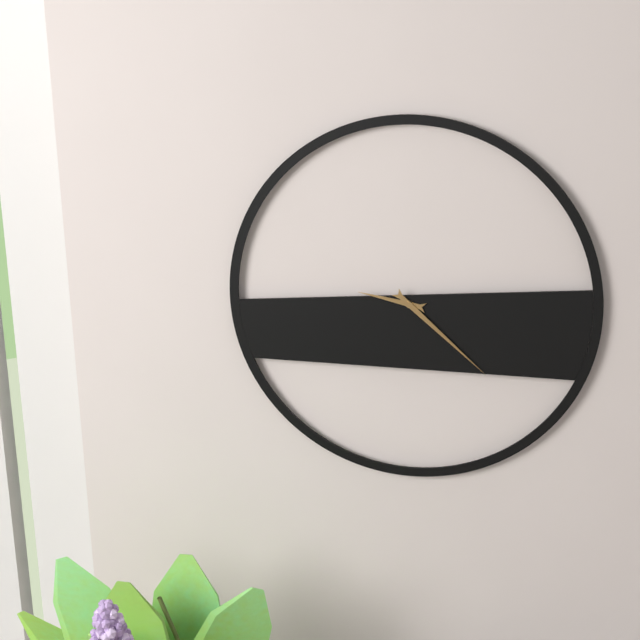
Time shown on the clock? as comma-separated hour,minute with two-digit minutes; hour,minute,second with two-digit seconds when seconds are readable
9,22
